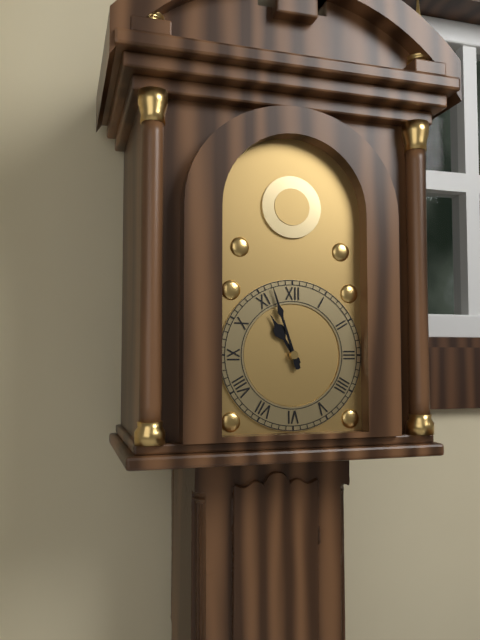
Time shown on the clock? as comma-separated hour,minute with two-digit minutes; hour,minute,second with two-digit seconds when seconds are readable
10,57
